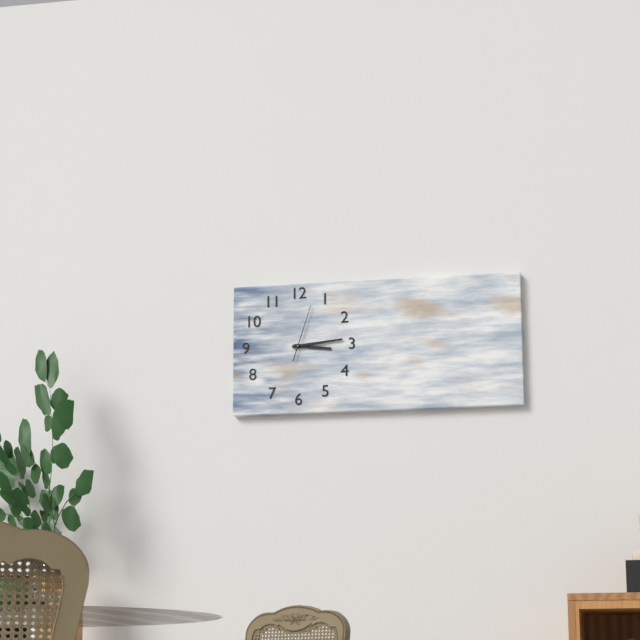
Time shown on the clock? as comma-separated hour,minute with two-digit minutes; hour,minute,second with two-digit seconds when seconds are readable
3,14,03
